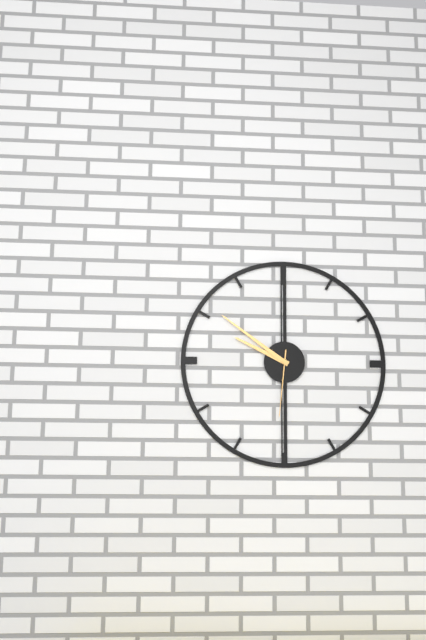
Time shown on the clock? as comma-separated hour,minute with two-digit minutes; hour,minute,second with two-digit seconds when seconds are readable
9,51,31
